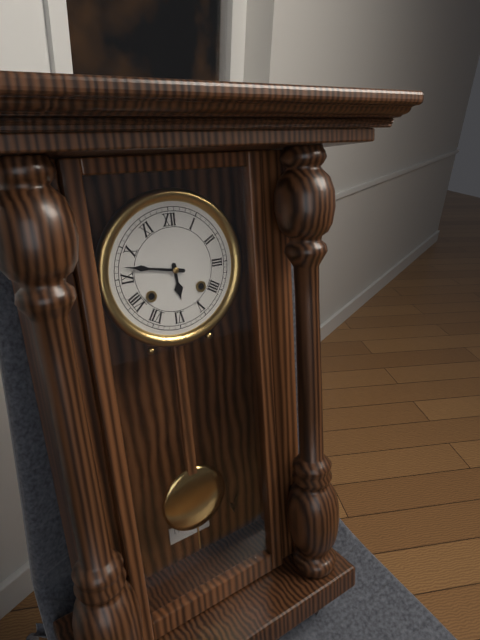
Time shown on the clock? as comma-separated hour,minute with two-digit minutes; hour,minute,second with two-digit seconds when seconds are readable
5,47
